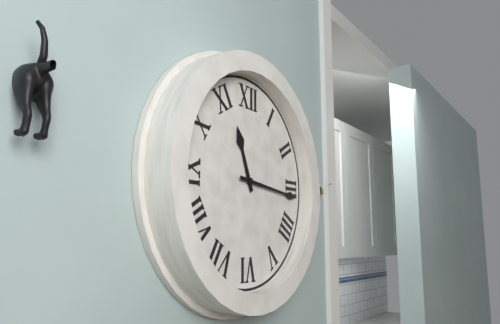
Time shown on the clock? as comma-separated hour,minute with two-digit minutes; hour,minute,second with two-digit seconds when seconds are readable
11,16
